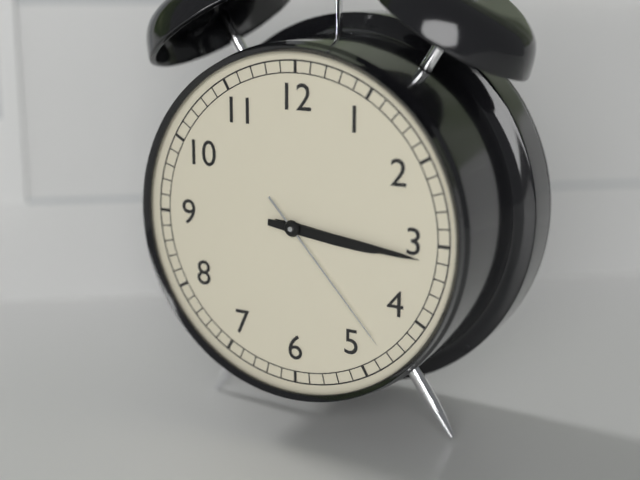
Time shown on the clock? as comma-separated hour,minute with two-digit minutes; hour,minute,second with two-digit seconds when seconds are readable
3,16,23
